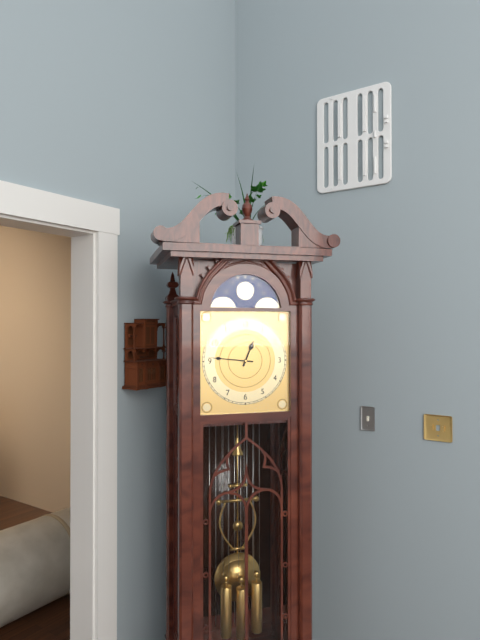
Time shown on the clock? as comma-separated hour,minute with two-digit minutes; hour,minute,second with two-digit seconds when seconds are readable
12,46
